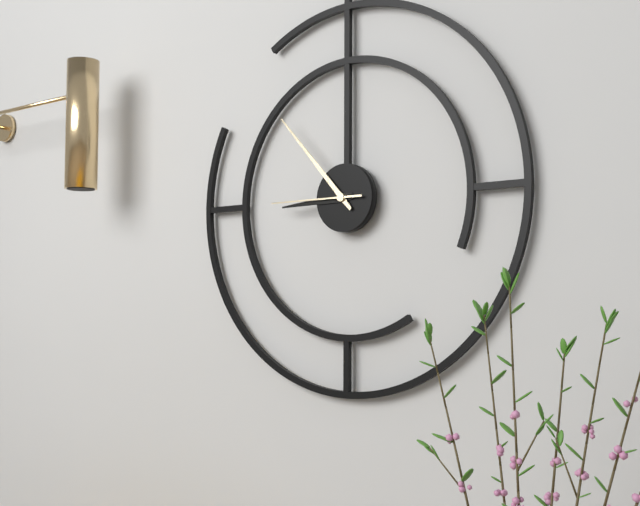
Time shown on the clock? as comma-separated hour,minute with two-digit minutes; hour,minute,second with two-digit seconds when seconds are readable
8,53,45
